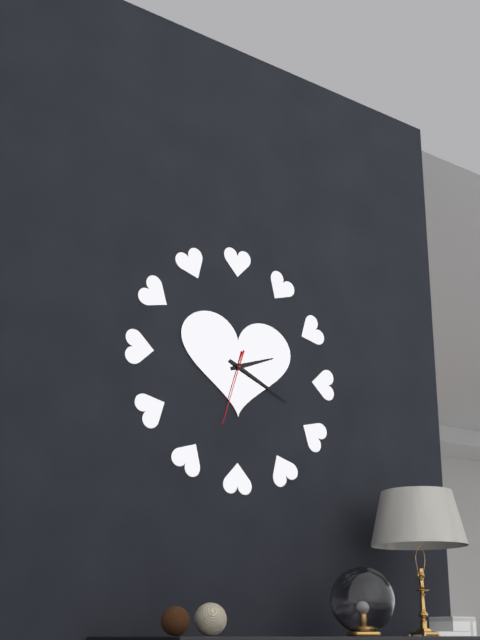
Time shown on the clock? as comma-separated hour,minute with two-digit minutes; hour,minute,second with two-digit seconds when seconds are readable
2,19,33
